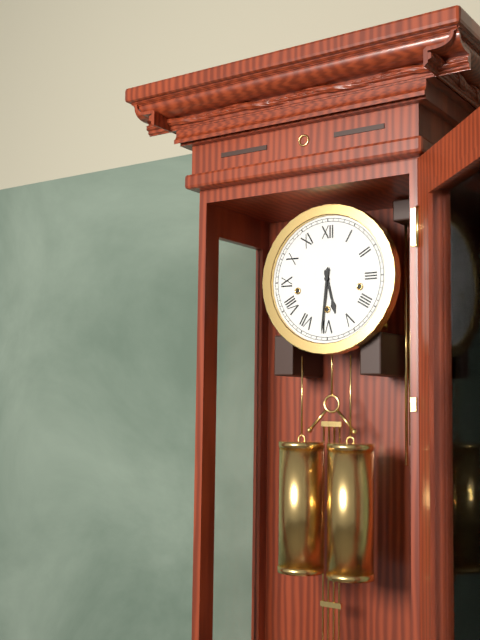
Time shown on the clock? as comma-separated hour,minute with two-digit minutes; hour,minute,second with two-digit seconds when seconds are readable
5,31
